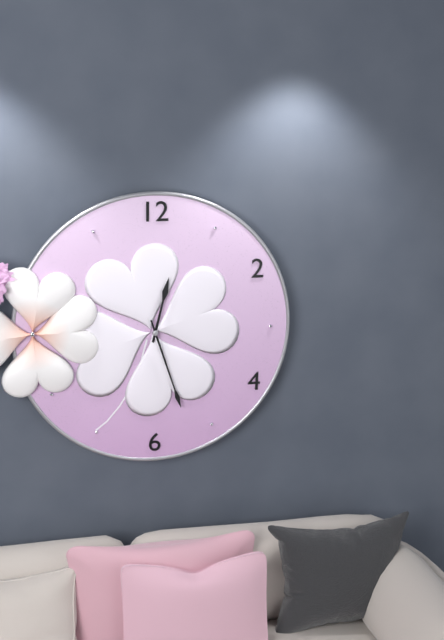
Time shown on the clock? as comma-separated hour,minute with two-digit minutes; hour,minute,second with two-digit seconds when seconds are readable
12,27
